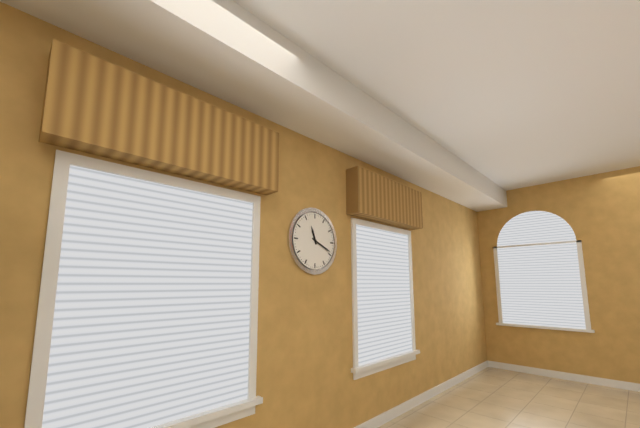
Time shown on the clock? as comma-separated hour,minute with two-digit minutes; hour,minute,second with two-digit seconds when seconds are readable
11,19
